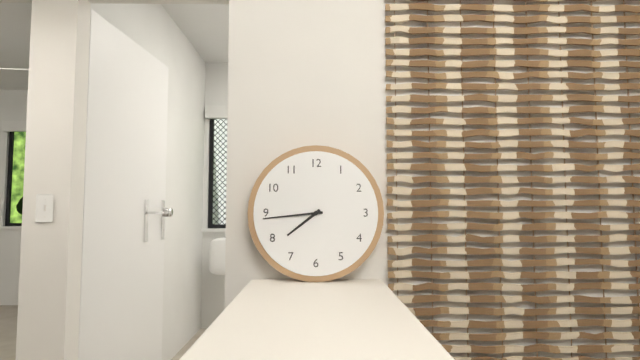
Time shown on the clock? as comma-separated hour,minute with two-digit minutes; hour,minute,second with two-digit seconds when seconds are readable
7,44
